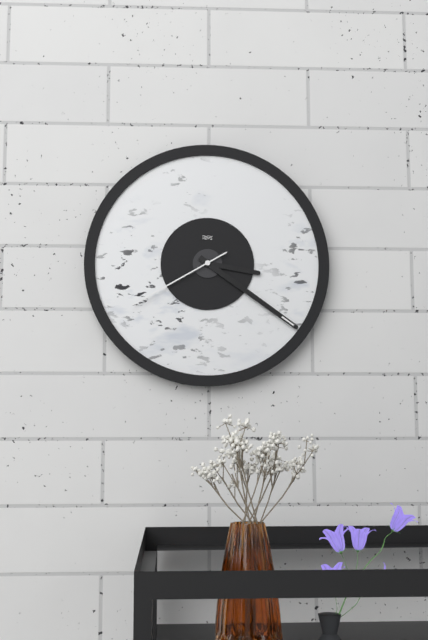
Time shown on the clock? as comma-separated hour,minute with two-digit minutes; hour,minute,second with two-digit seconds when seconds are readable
3,21,40
